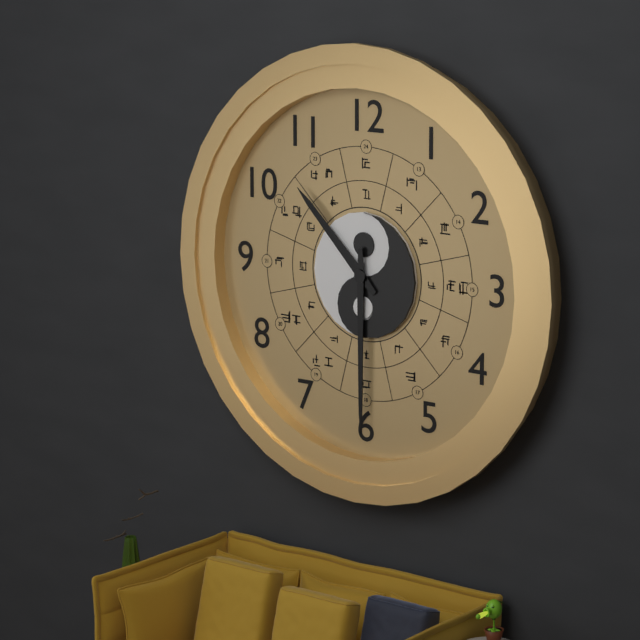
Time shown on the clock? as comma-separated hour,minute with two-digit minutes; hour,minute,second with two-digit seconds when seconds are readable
10,30
